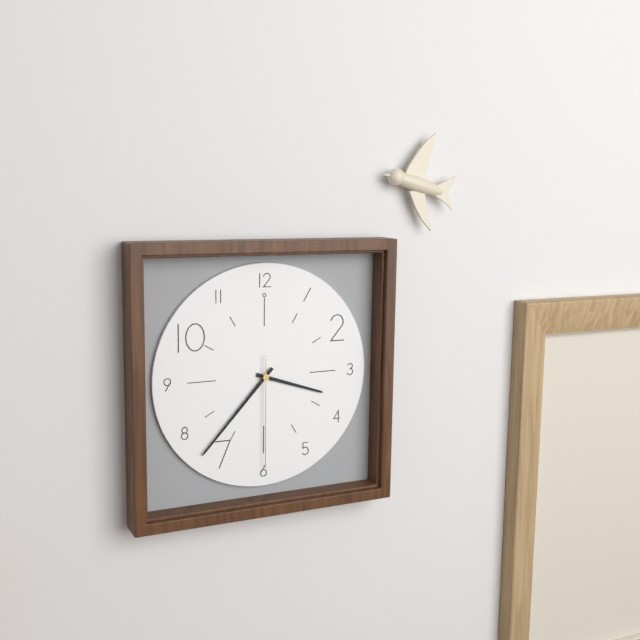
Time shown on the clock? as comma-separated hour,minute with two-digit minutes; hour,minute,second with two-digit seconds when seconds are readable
3,37,30
